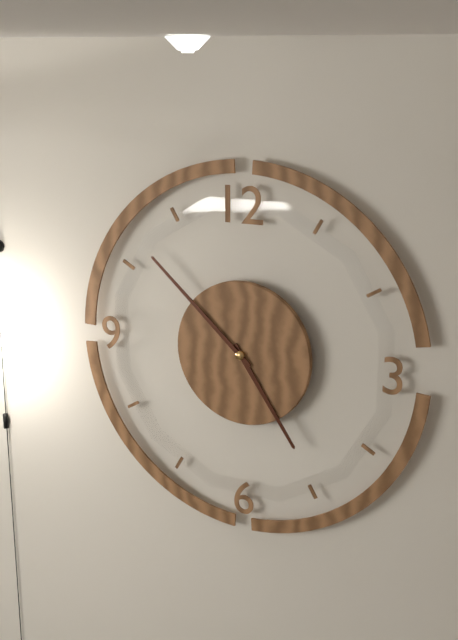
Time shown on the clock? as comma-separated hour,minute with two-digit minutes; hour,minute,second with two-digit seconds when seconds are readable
4,52
